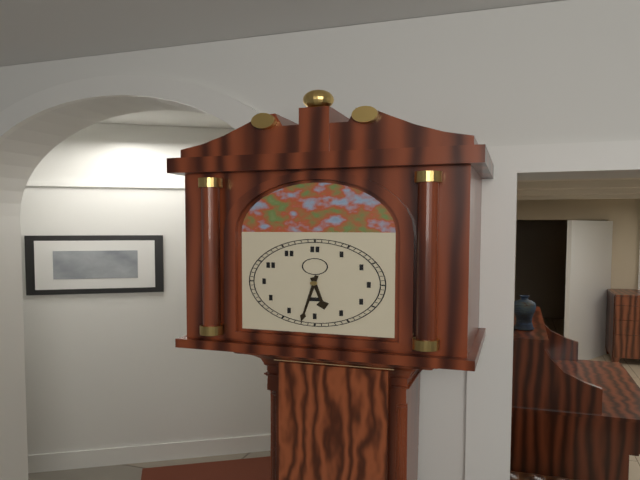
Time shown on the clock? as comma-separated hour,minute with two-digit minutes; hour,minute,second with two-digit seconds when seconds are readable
5,32
